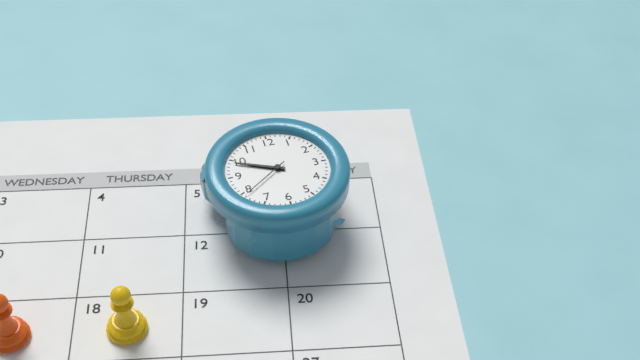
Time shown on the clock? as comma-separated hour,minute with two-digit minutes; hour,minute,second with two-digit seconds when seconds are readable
9,49
